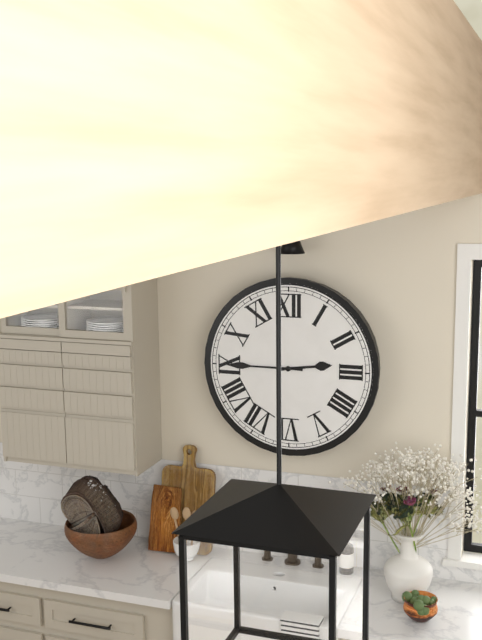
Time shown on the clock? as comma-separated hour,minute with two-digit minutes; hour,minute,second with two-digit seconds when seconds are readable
2,45
